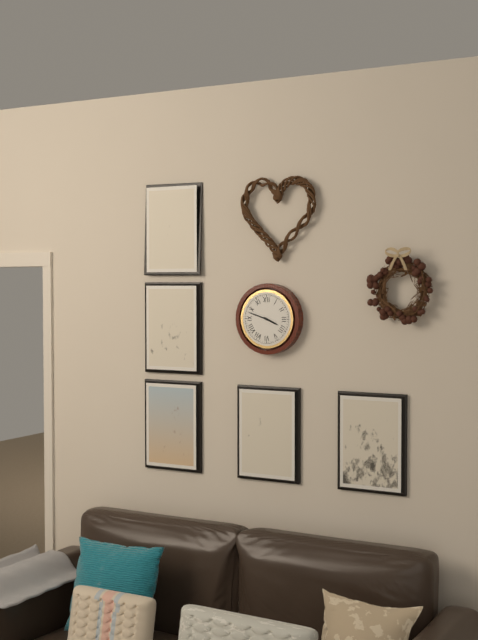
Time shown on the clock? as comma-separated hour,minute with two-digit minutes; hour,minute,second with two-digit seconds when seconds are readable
3,48
